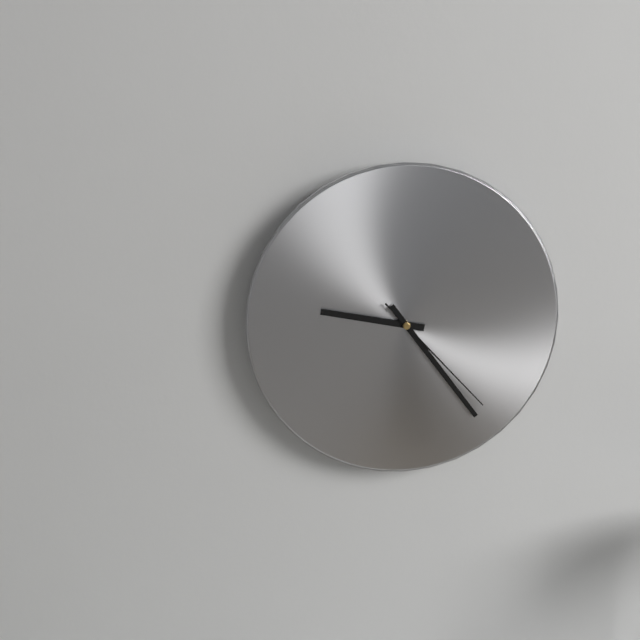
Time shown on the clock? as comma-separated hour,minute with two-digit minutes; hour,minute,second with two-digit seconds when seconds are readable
9,24,23
